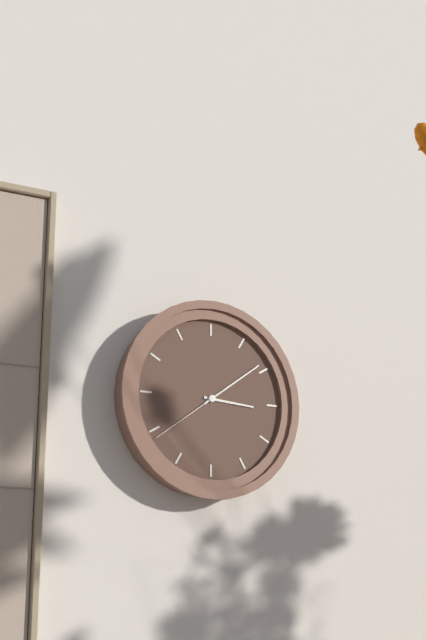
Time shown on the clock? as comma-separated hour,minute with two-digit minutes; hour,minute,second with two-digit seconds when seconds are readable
3,09,39
